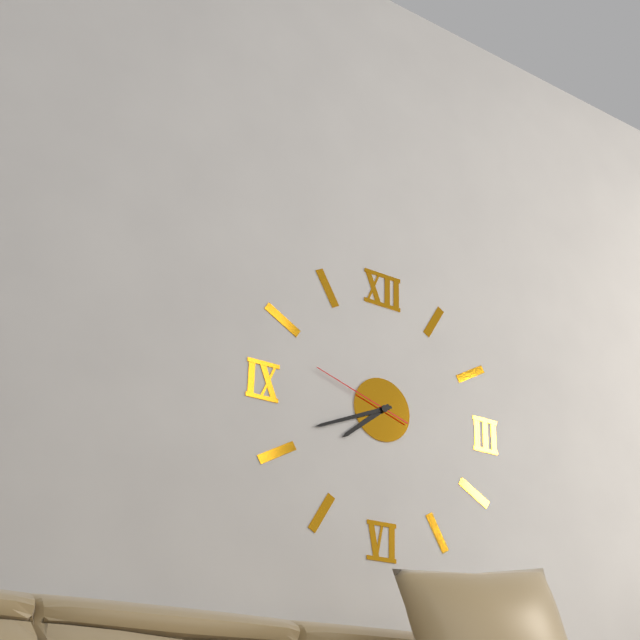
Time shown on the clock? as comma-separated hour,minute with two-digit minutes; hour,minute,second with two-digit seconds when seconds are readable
7,41,48
